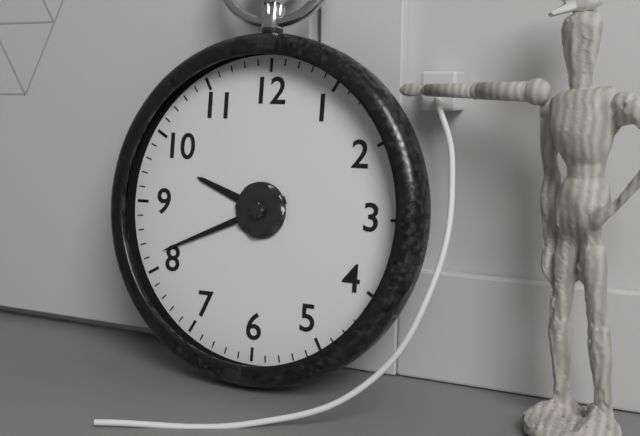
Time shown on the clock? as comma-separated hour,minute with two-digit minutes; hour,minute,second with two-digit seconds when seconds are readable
9,41
